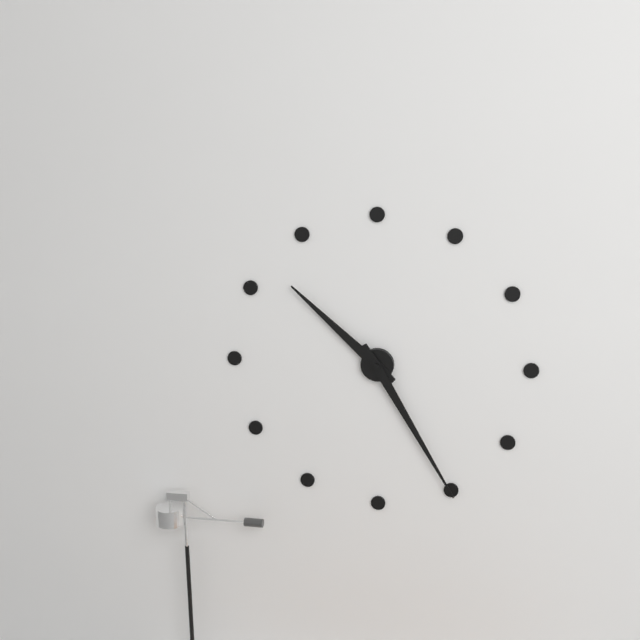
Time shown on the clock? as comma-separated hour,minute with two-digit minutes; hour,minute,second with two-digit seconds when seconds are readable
10,25
